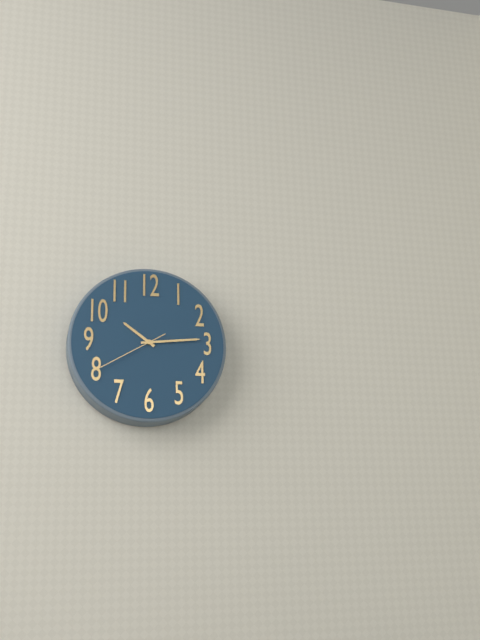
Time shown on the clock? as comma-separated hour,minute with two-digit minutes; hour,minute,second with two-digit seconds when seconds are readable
10,14,40
